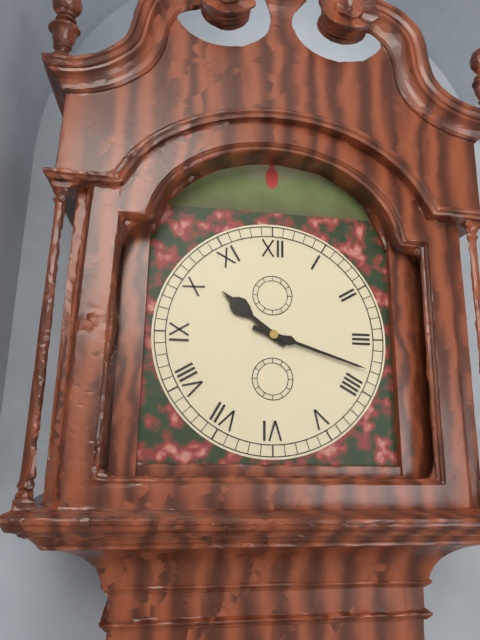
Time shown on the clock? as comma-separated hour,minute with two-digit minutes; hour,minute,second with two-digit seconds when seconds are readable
10,18
